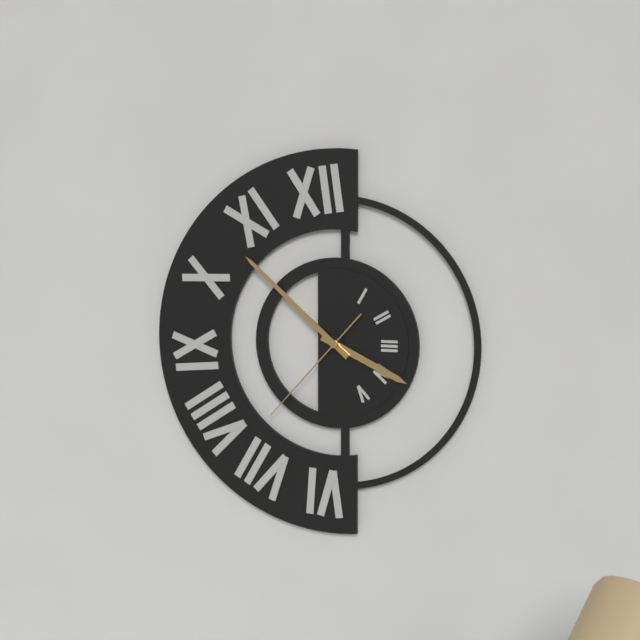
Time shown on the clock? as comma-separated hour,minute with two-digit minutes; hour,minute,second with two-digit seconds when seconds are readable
3,52,37
